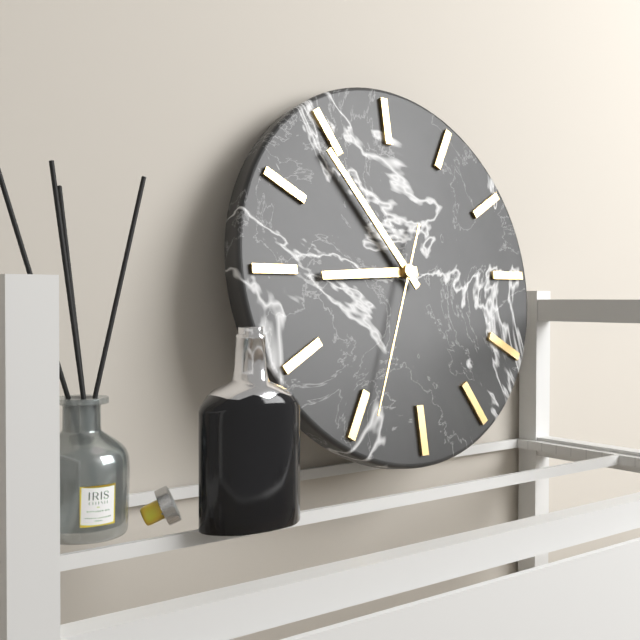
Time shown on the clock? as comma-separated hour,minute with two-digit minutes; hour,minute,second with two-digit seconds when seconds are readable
8,54,34
